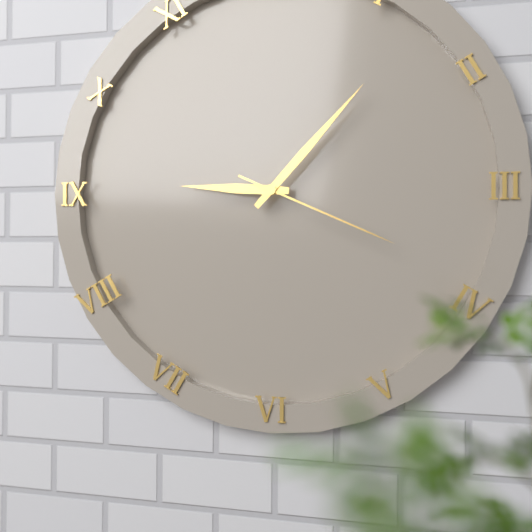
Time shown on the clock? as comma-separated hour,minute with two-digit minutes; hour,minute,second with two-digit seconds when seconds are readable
9,07,19
